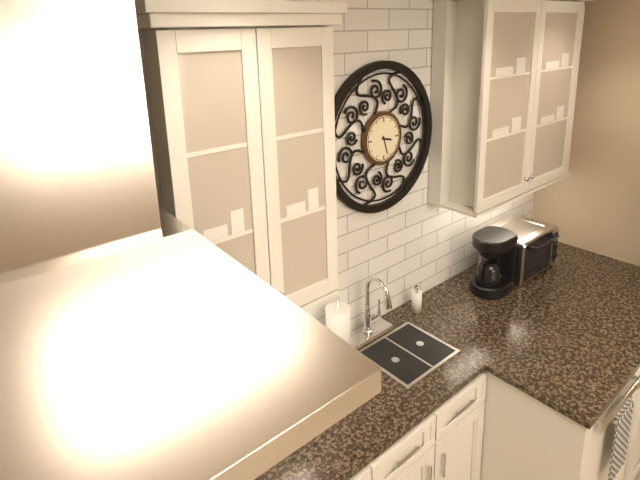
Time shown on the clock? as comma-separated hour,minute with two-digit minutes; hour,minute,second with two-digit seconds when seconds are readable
3,27
